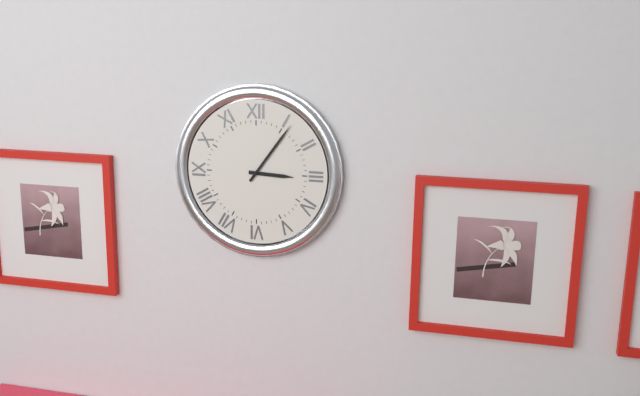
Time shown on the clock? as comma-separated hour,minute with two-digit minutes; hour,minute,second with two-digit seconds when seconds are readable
3,06
